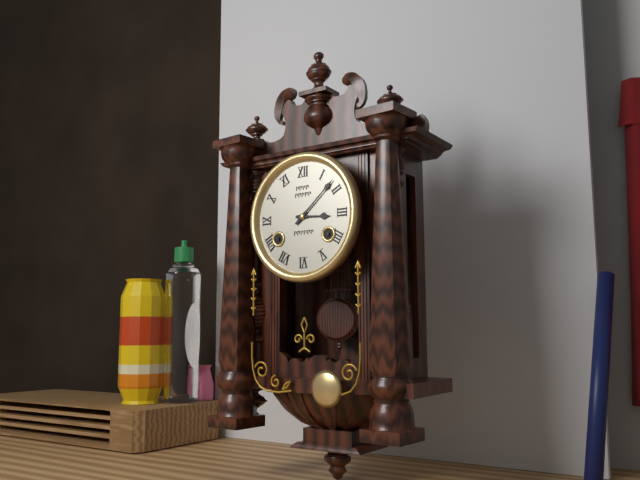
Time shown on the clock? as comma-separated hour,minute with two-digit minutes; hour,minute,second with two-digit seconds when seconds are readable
3,08
